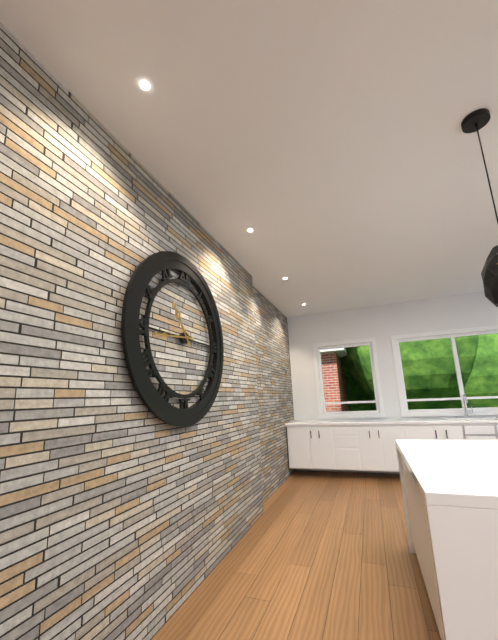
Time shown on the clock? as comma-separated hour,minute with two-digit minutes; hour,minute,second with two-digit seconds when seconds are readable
10,44
